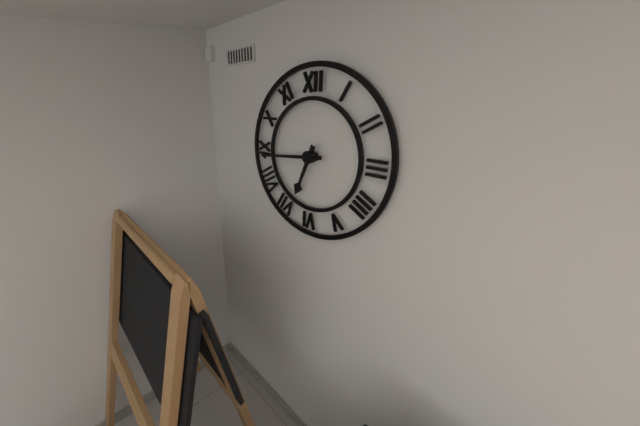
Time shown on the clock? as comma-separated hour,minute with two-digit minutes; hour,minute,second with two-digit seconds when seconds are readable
6,44
